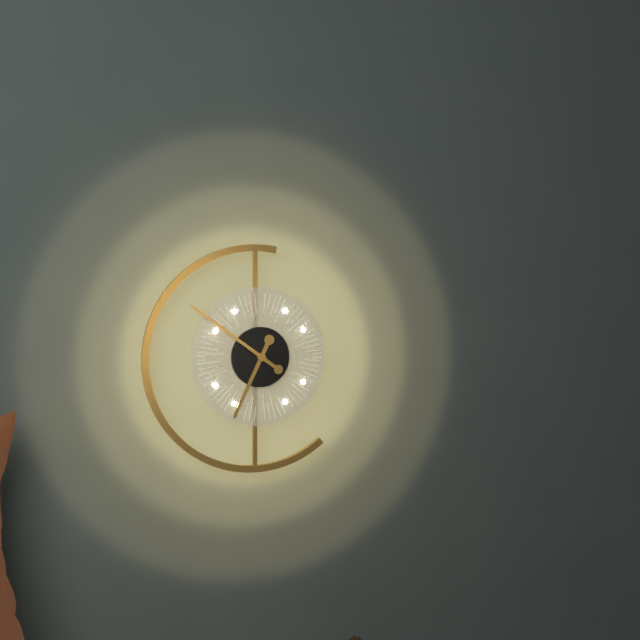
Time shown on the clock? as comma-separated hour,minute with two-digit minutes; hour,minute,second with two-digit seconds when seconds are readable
6,51
